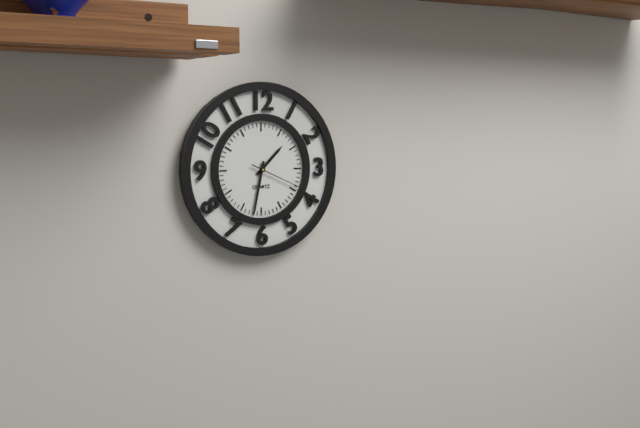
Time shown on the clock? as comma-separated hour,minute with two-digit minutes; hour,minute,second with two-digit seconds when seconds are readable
1,32,19
